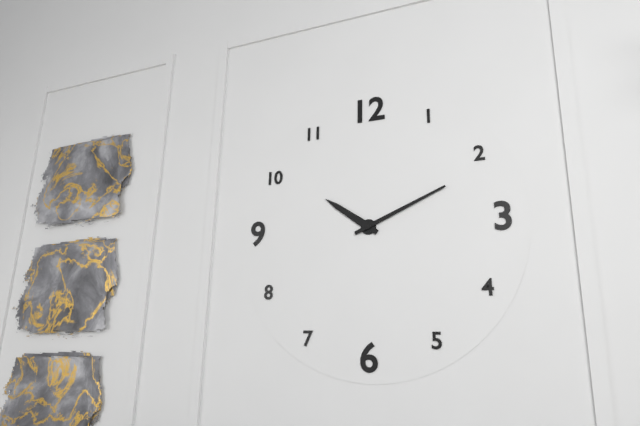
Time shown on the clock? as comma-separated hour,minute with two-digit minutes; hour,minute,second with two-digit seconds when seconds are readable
10,11
